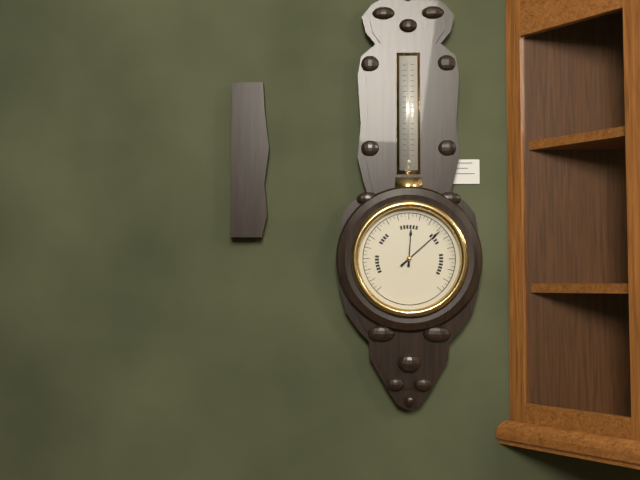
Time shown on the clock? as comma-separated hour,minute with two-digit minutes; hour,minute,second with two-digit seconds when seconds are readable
12,08
